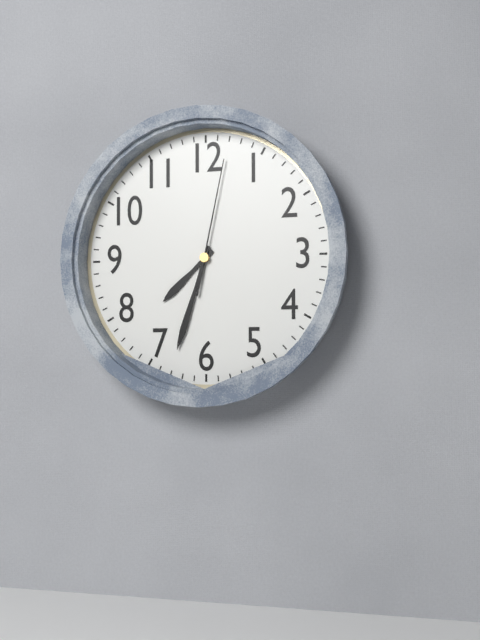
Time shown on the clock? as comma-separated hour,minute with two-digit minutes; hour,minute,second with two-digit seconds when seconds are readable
7,33,02
